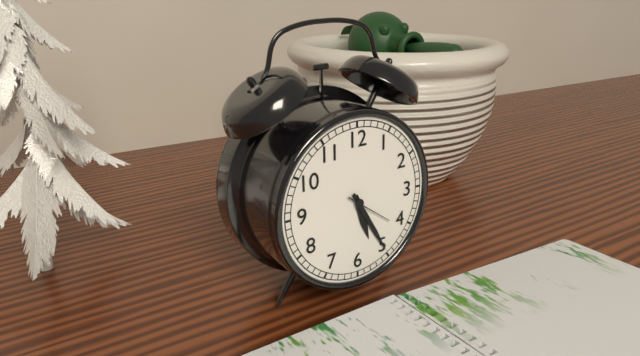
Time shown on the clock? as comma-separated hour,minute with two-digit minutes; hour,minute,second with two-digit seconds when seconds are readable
5,25
